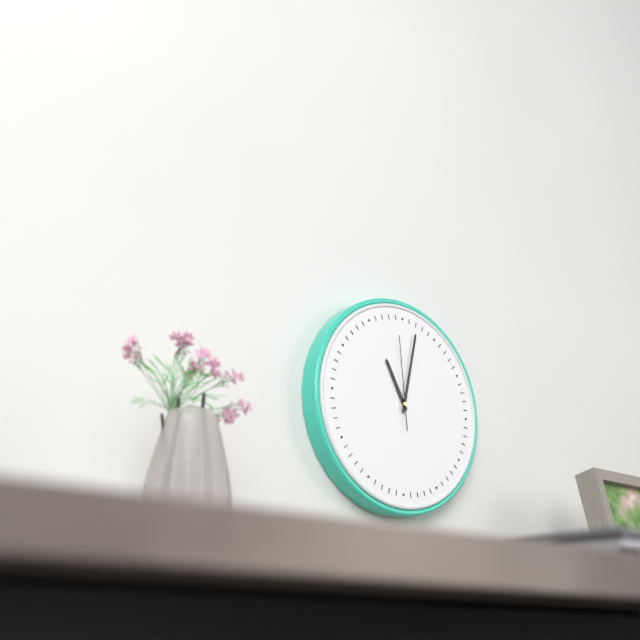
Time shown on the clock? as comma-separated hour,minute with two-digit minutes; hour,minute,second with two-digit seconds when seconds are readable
11,02,59
